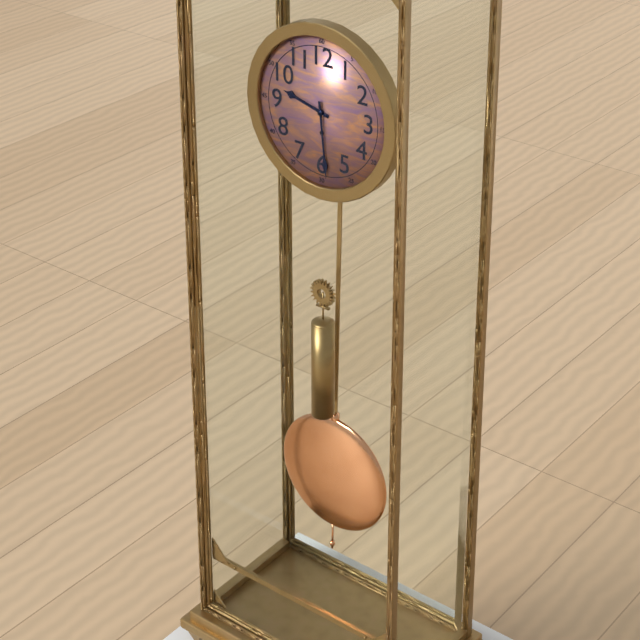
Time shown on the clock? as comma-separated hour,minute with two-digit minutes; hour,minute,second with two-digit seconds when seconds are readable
9,29
